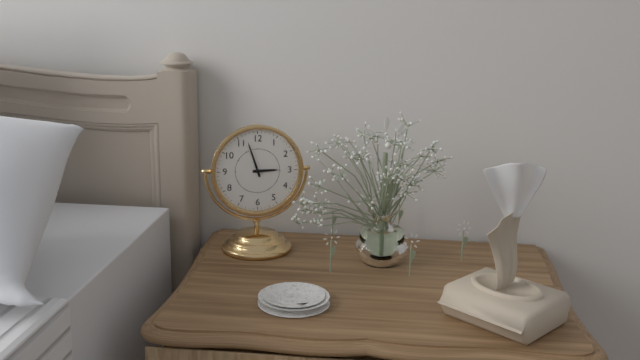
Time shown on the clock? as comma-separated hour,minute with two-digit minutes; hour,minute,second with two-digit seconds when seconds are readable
2,57
